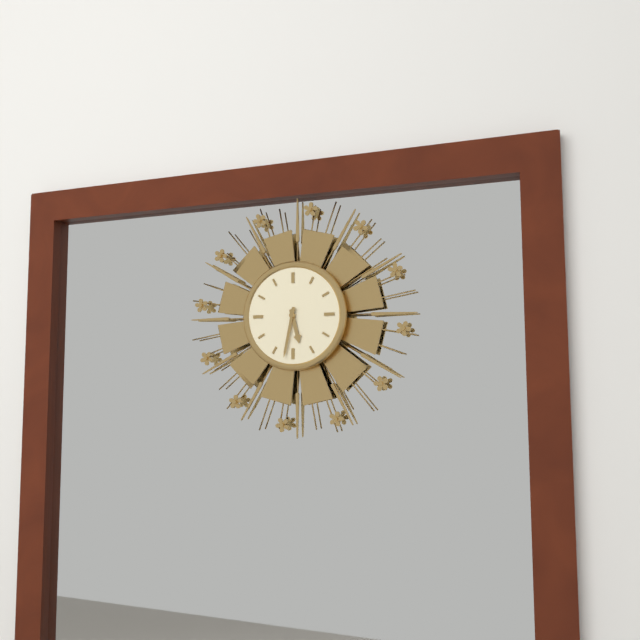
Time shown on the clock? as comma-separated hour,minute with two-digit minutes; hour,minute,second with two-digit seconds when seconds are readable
5,32
